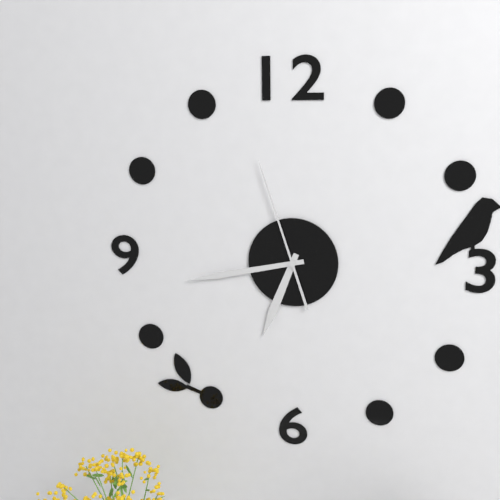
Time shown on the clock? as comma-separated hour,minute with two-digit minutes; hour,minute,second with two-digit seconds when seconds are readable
6,43,57
